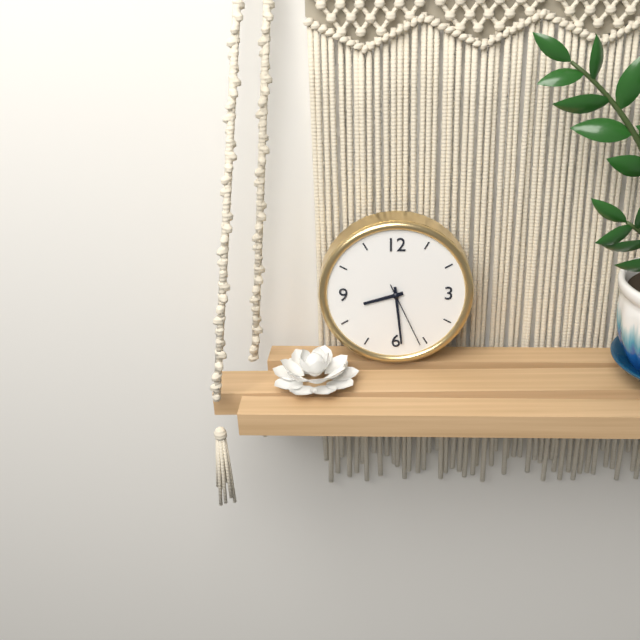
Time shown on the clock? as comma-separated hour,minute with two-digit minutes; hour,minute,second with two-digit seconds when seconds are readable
8,29,26
